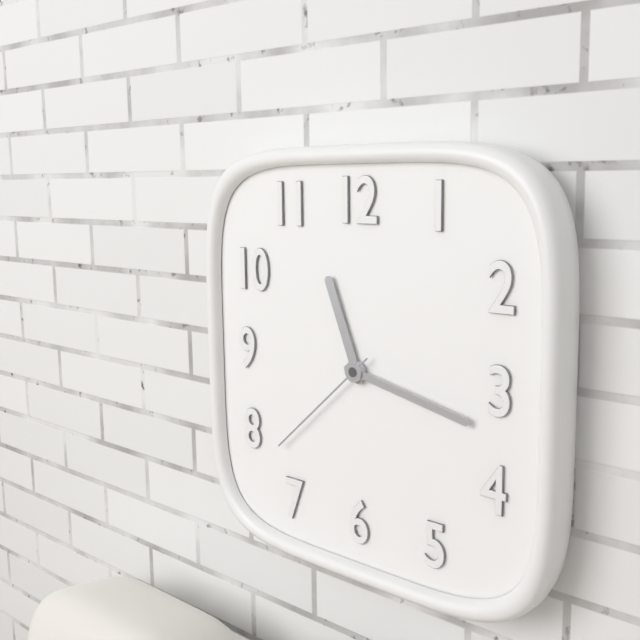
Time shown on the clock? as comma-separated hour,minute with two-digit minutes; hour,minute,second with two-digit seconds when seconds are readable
11,17,38
